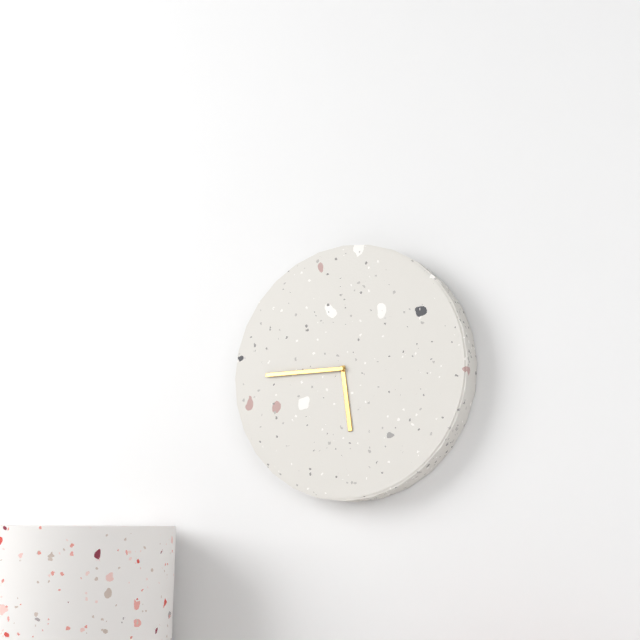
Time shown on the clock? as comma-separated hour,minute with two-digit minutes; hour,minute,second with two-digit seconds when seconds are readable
5,45
